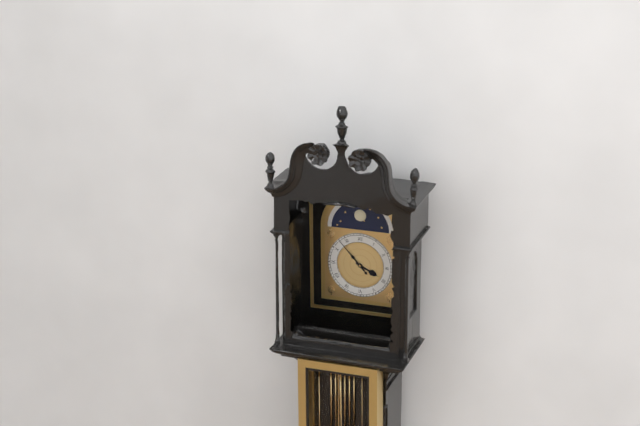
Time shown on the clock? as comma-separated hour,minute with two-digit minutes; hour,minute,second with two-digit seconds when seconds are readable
3,53
